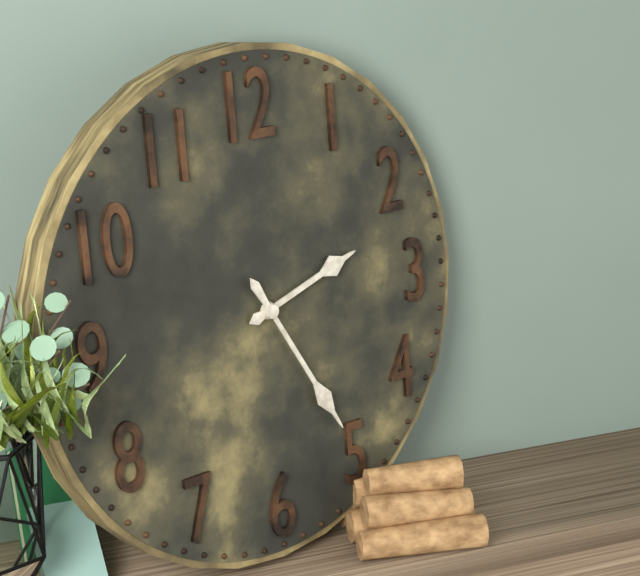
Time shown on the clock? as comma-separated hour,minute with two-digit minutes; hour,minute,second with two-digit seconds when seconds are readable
2,25
